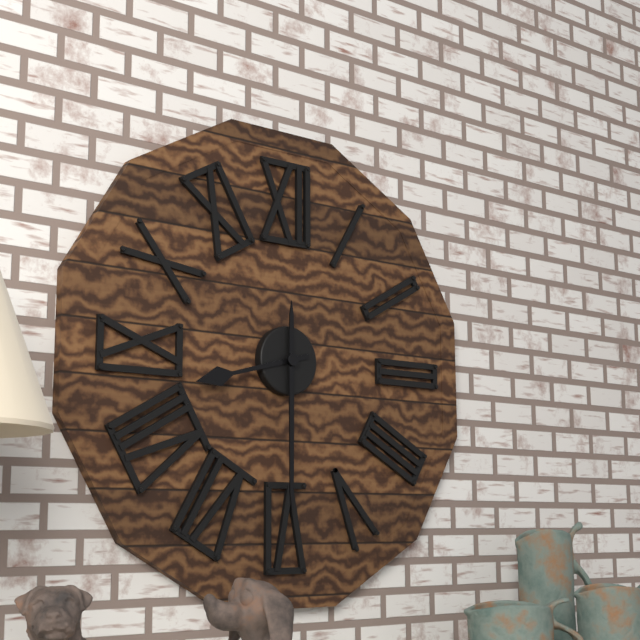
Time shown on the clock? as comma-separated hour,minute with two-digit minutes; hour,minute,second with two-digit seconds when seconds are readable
8,30
